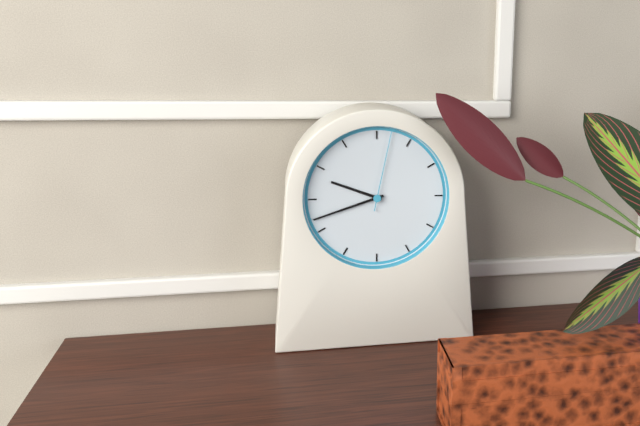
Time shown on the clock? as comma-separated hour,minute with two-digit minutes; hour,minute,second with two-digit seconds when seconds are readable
9,42,02
